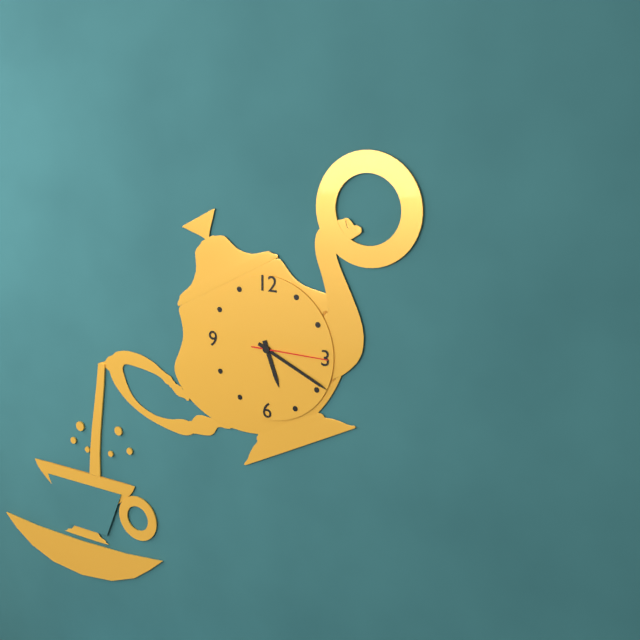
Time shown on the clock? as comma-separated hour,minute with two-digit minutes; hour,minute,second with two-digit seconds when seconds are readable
5,19,15
